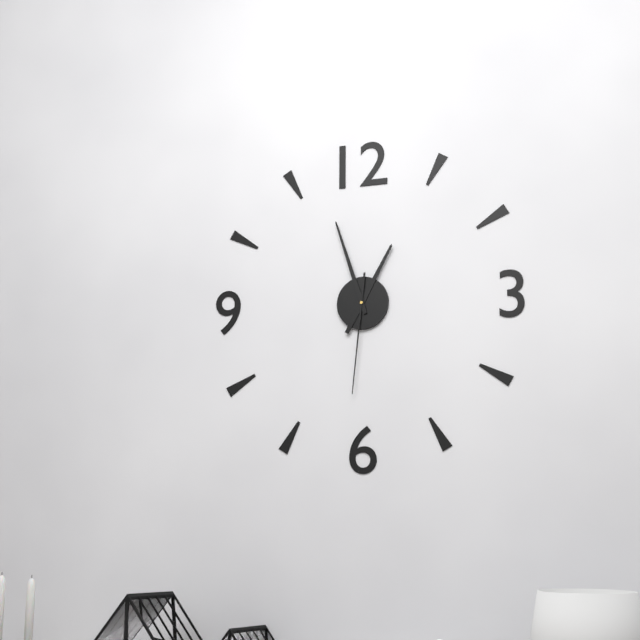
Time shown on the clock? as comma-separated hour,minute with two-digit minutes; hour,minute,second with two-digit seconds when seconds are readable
12,57,31
